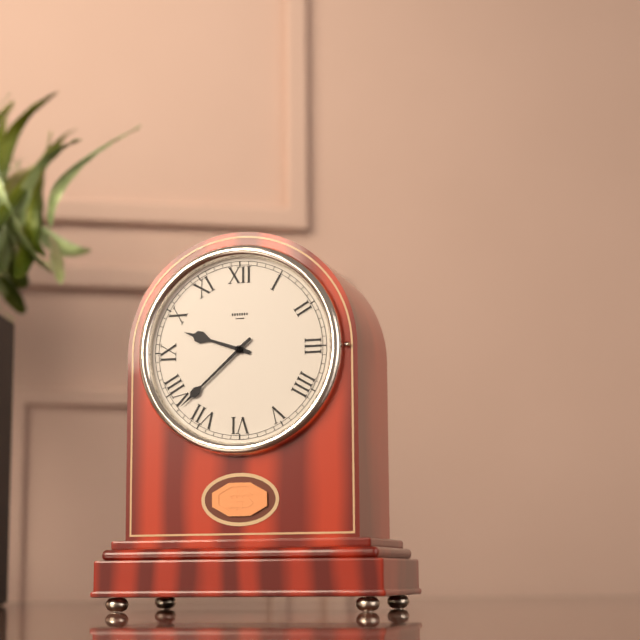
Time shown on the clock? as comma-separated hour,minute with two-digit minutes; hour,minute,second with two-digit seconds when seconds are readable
9,38
